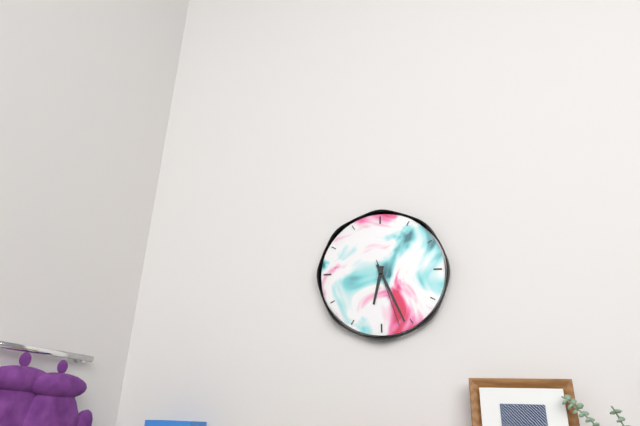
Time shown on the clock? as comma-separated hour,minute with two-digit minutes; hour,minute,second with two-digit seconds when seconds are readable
6,26,27
